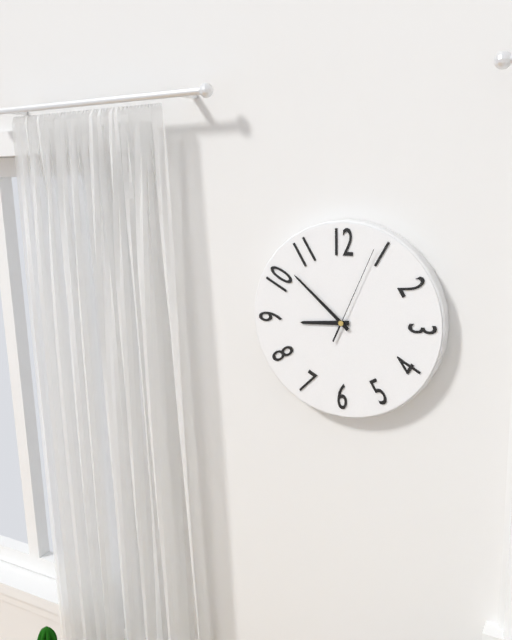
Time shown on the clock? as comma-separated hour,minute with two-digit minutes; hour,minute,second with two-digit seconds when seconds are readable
8,52,04
